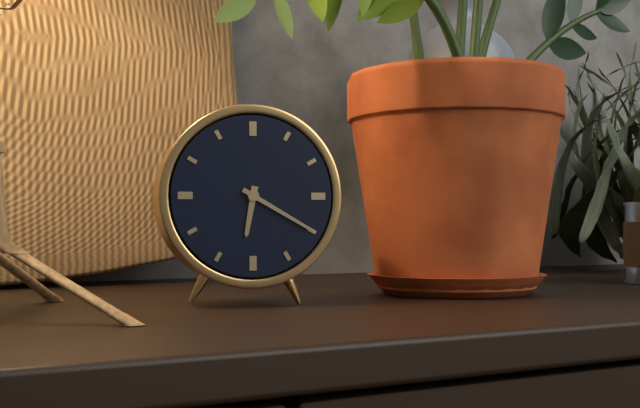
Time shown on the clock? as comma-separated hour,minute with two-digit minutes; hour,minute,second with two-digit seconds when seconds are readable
6,20
